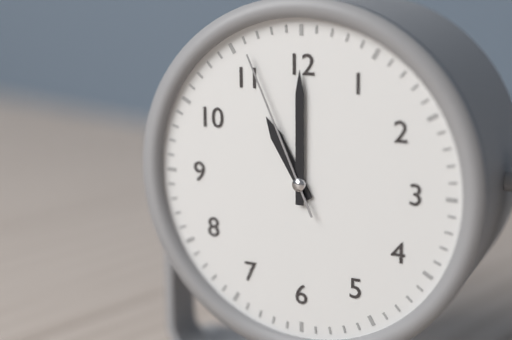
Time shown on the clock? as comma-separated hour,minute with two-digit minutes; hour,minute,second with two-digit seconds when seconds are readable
11,00,56
